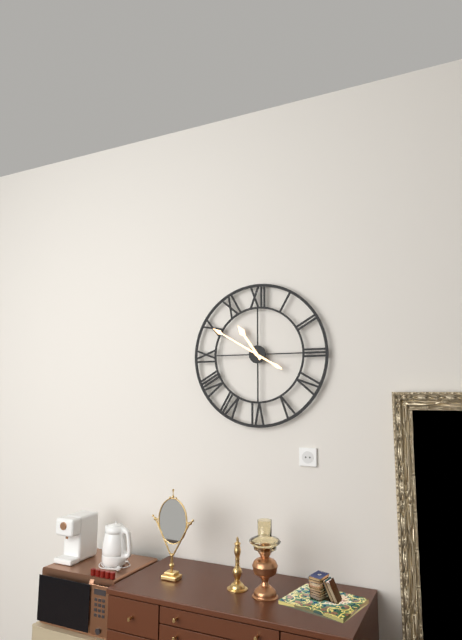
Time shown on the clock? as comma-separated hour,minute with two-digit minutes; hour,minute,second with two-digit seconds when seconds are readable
10,50
